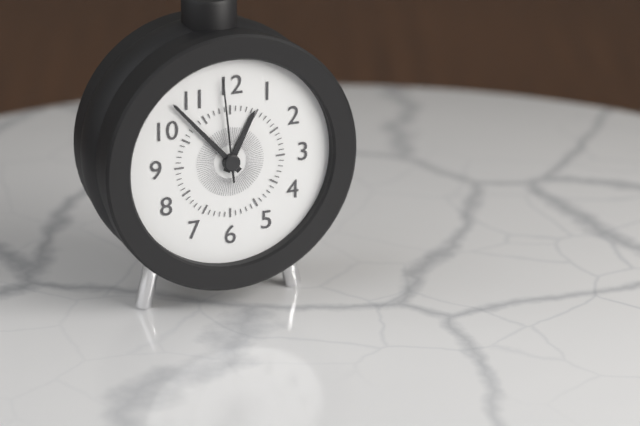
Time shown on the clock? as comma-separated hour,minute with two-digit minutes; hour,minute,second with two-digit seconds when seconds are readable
12,53,59
